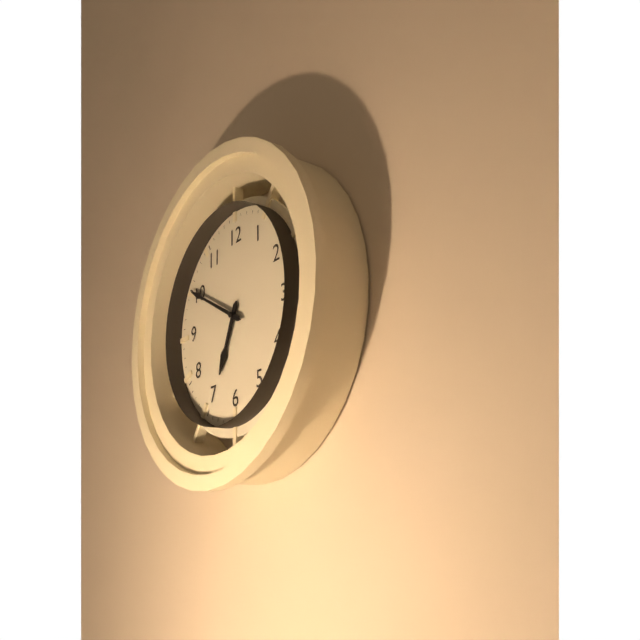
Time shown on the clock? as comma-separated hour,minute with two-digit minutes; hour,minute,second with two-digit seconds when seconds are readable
6,50
